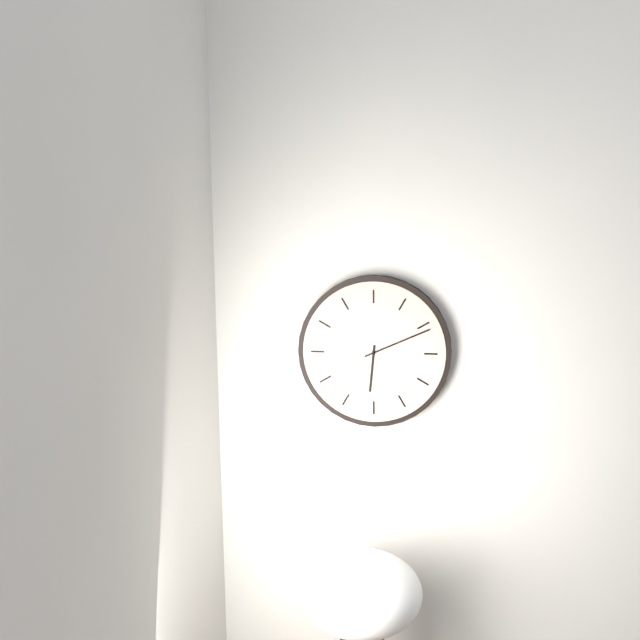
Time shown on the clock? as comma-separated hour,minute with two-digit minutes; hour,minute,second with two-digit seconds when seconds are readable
6,11
